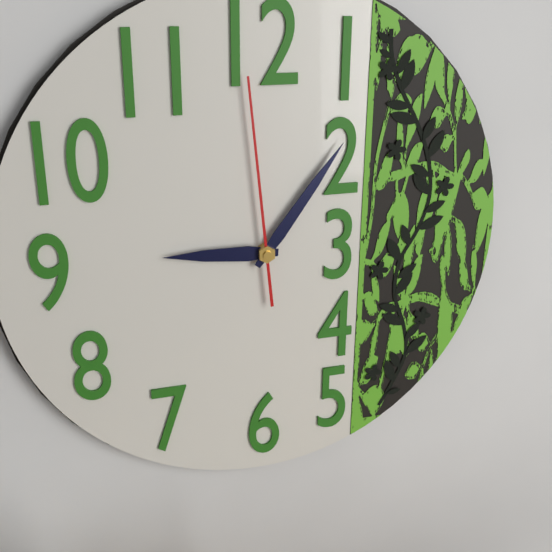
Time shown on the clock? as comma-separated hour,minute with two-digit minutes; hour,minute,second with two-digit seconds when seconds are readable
9,06,59
